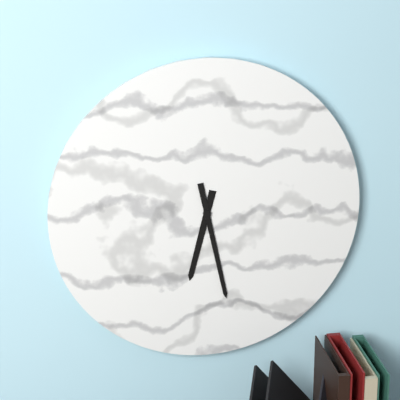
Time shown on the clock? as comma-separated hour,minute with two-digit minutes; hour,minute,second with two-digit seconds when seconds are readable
6,28
